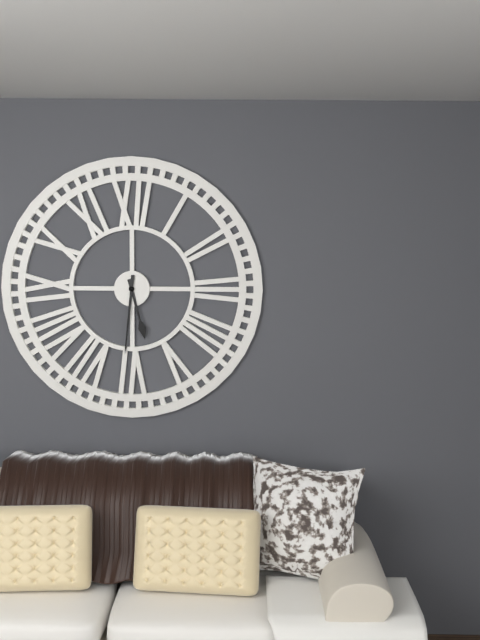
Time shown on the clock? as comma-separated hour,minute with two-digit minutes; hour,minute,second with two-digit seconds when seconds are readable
5,31
